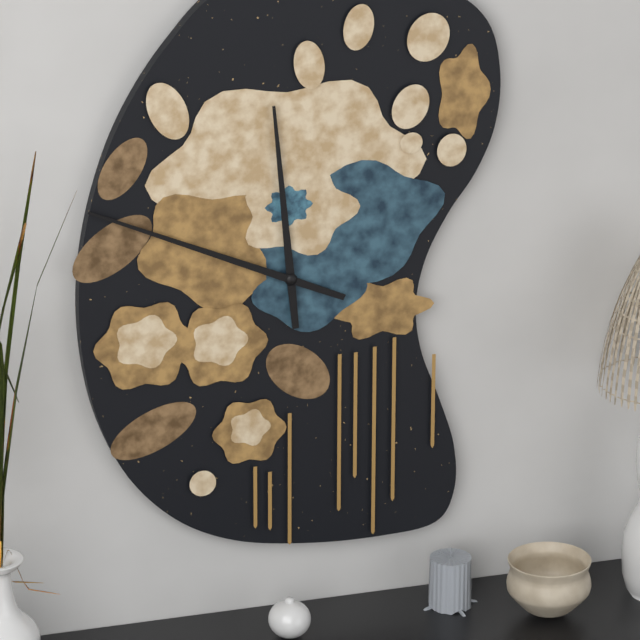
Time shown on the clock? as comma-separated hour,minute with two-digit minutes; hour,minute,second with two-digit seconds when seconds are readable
11,49
